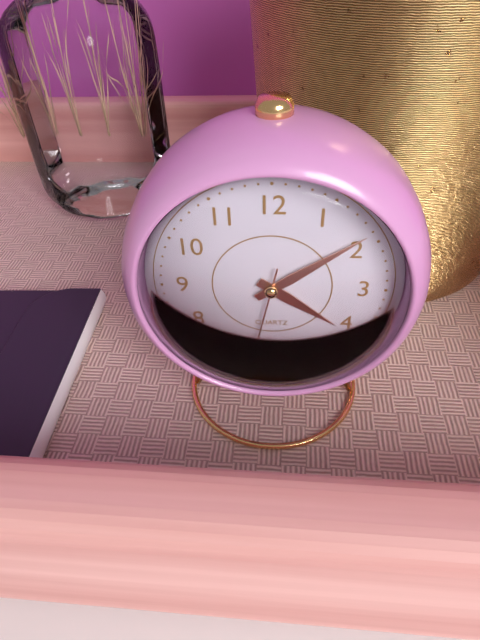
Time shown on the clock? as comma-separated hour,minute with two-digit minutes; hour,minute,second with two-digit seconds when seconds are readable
4,09,32
